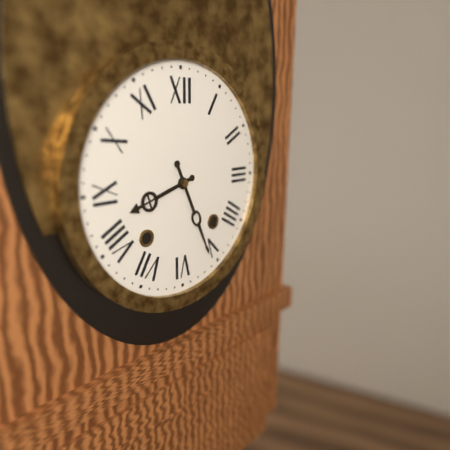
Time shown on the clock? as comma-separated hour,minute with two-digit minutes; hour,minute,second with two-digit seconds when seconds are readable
8,26
